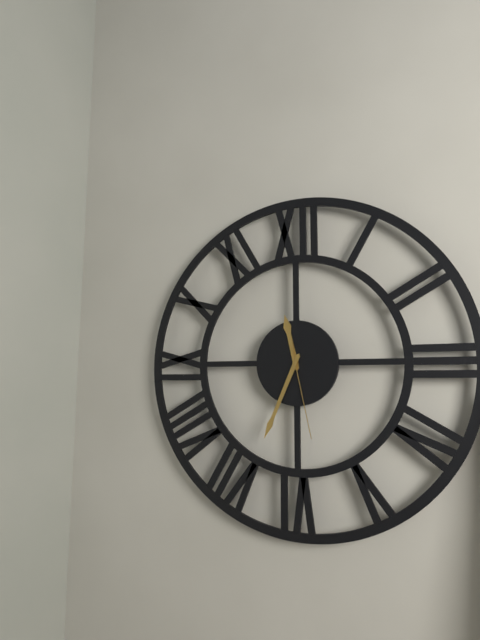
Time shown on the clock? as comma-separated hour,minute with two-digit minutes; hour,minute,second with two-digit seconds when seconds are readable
11,34,28
